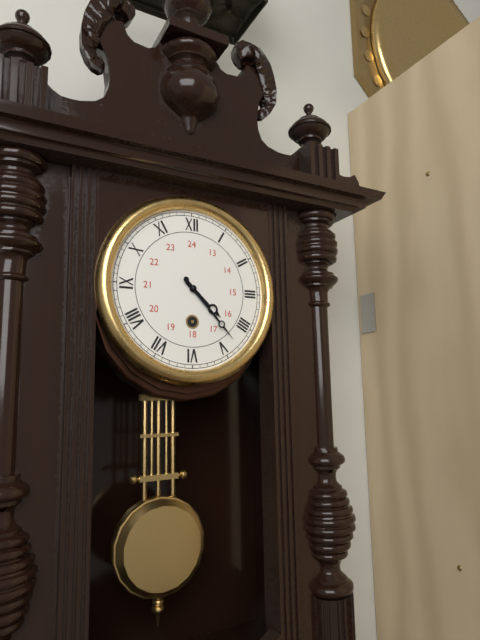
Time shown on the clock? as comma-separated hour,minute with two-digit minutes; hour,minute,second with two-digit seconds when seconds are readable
4,23
